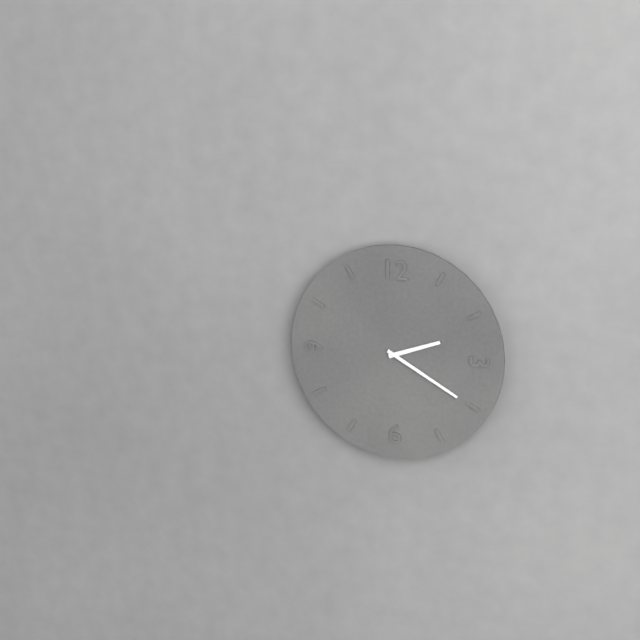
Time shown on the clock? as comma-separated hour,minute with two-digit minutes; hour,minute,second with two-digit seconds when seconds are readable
2,20
